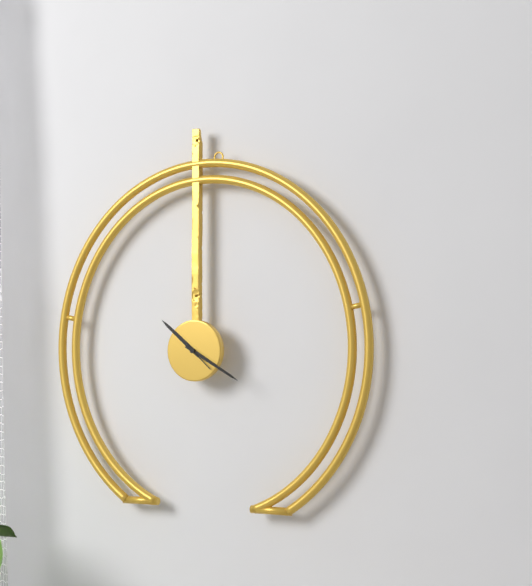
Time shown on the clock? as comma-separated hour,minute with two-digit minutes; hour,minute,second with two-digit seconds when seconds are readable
10,20
